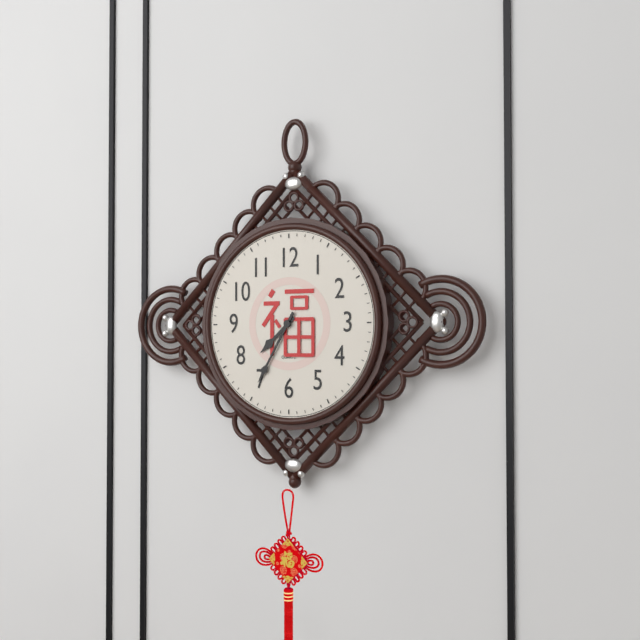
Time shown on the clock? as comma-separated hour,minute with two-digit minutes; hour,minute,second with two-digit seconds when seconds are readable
7,35
